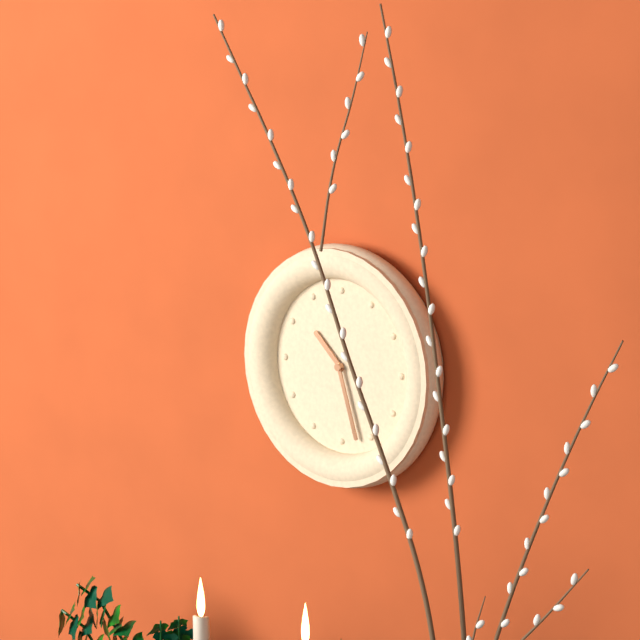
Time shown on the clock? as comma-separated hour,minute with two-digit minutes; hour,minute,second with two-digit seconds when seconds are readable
10,27
